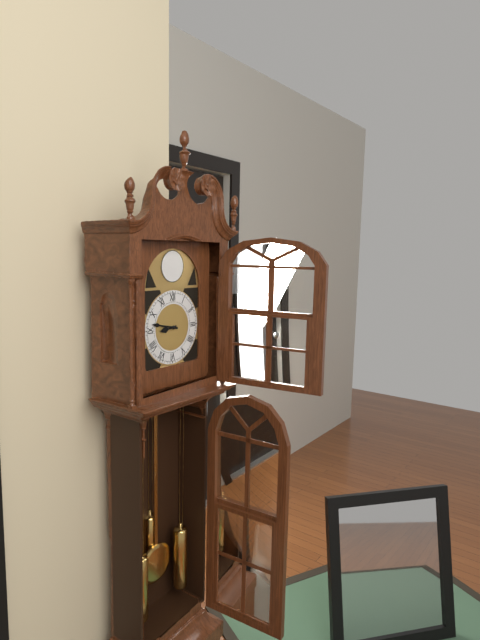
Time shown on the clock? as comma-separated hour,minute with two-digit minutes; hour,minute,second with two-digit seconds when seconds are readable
8,47
